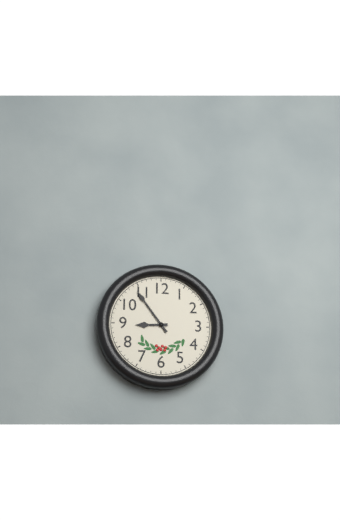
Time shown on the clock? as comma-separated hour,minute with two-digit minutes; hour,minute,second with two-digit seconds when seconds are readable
8,54
